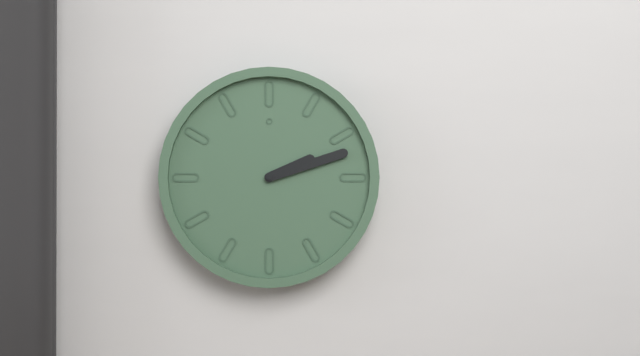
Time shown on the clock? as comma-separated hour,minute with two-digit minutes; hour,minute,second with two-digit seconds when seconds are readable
2,12
